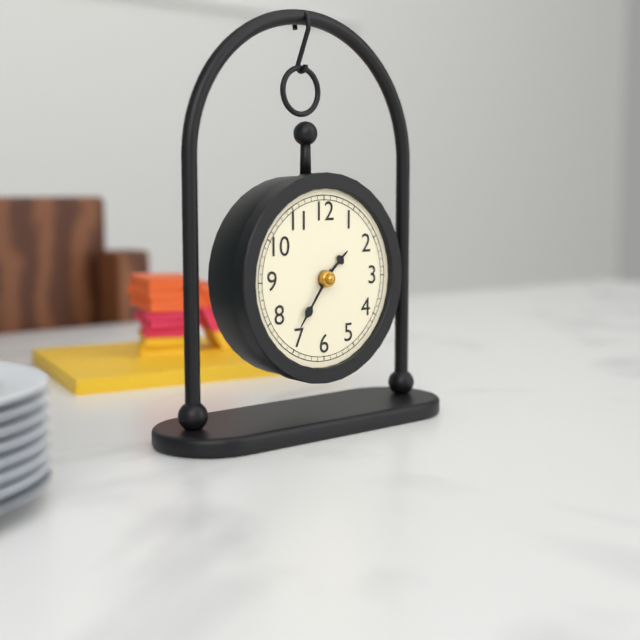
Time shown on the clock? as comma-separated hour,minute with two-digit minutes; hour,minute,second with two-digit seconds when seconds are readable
1,36
